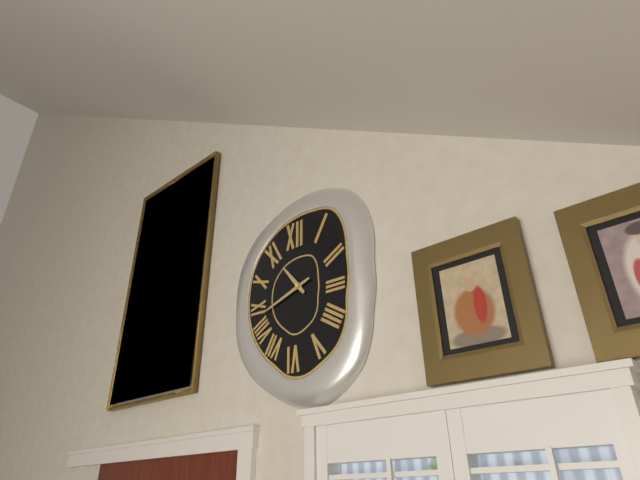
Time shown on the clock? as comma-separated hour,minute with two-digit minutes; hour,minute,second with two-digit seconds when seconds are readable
10,42
